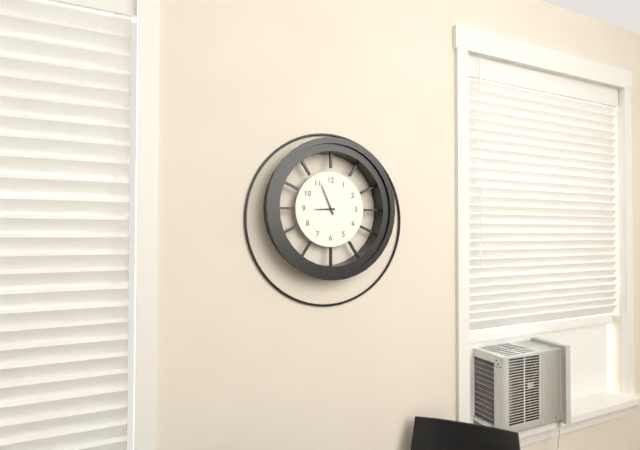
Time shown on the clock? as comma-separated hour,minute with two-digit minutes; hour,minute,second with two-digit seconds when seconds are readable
8,56
